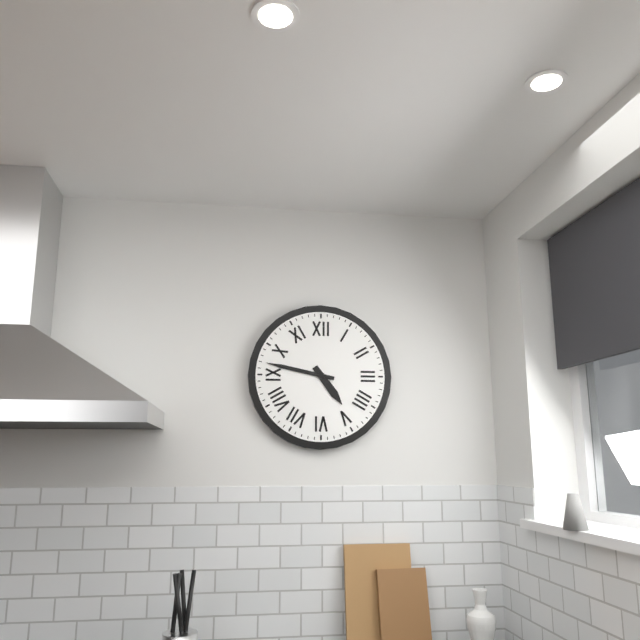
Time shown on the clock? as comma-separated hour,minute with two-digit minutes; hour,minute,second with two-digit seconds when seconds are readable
4,47
